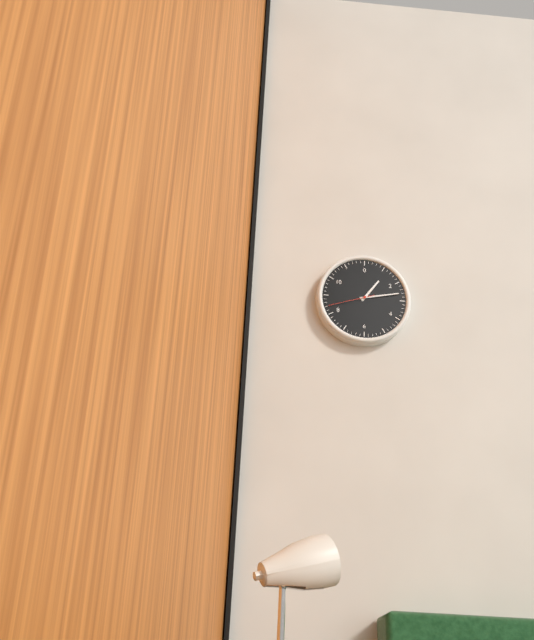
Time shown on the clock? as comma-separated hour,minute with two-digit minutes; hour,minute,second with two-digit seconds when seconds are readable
1,13
